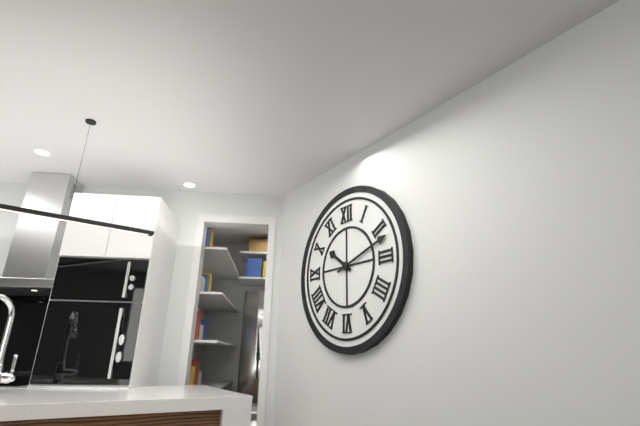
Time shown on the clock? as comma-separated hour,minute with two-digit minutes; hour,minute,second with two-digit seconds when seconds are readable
10,12
